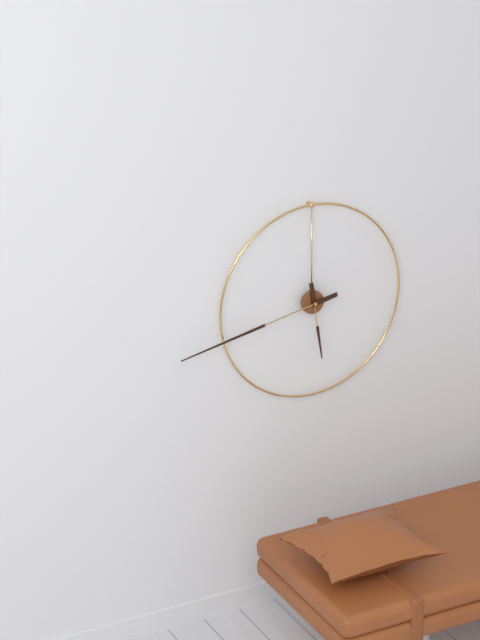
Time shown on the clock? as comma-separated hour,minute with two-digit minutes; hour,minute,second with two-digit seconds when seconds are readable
5,43
